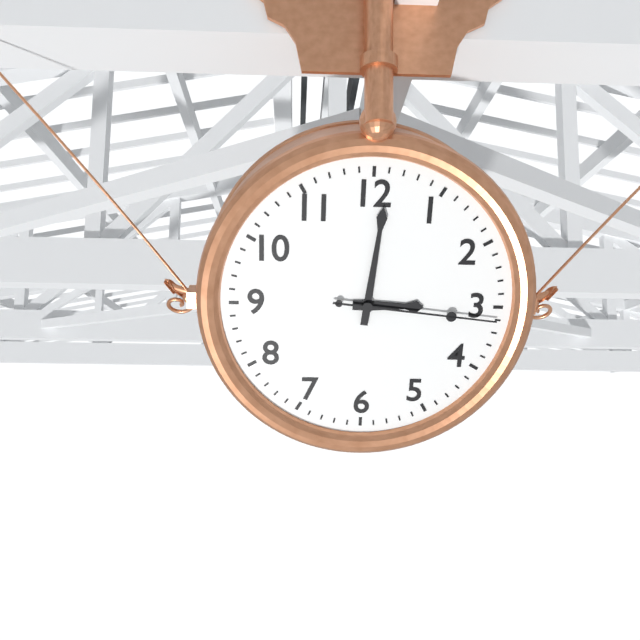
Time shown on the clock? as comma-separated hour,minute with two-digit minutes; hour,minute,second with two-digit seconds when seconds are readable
3,01,16
